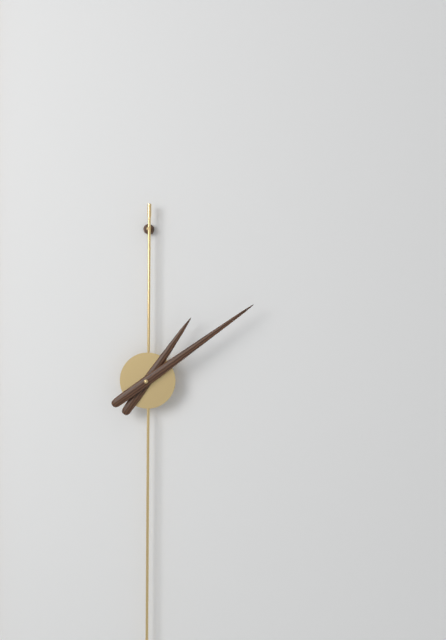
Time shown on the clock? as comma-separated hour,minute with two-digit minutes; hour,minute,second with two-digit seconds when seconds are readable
1,09
